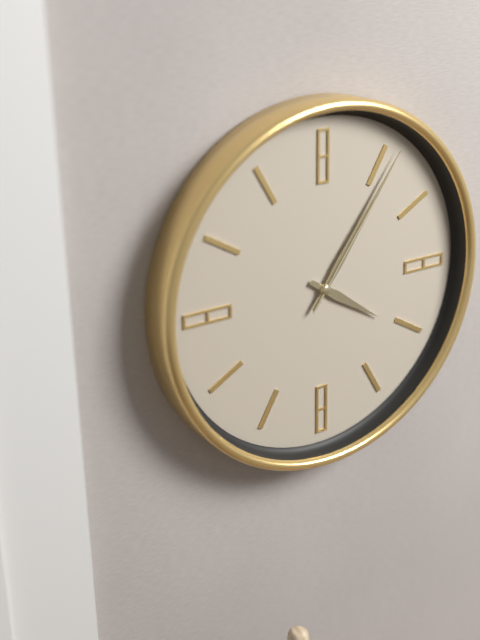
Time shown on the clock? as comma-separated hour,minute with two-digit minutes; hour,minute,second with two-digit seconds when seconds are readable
4,06,06
